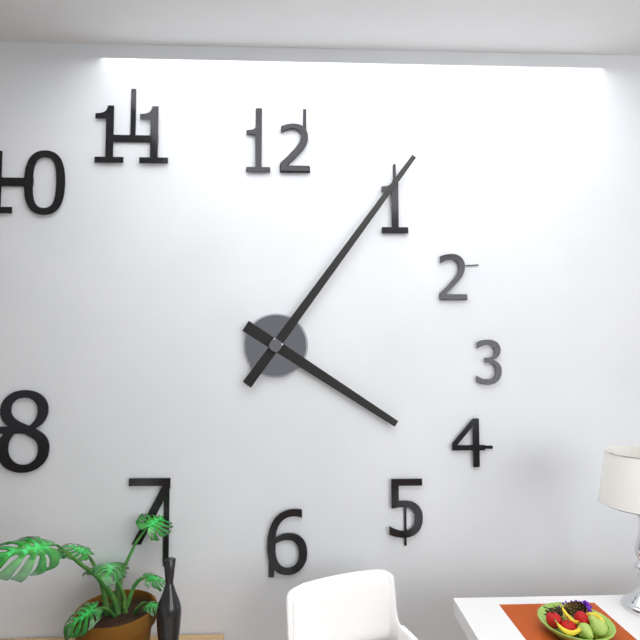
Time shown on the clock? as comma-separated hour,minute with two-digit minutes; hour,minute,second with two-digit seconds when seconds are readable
4,06
